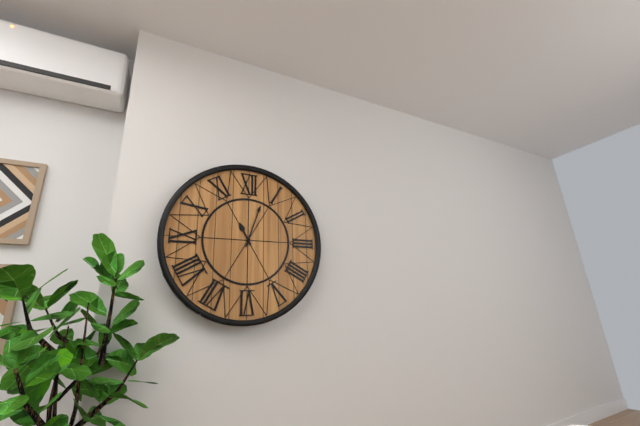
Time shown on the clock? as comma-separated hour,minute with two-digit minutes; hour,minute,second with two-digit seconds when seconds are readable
11,03
